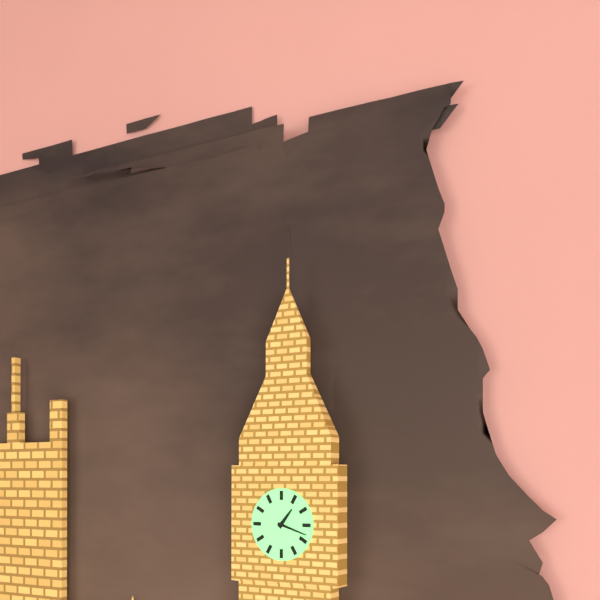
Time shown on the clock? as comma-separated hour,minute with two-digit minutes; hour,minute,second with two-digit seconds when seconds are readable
1,18
